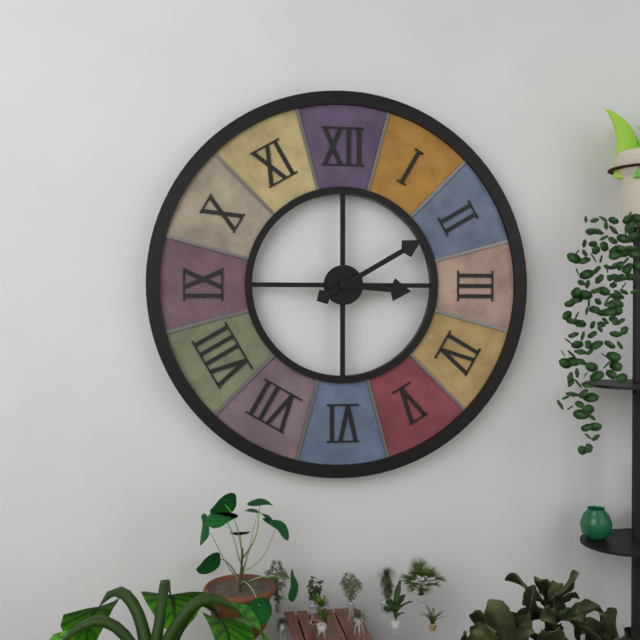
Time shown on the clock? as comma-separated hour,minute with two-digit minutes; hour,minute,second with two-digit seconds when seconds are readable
3,10
